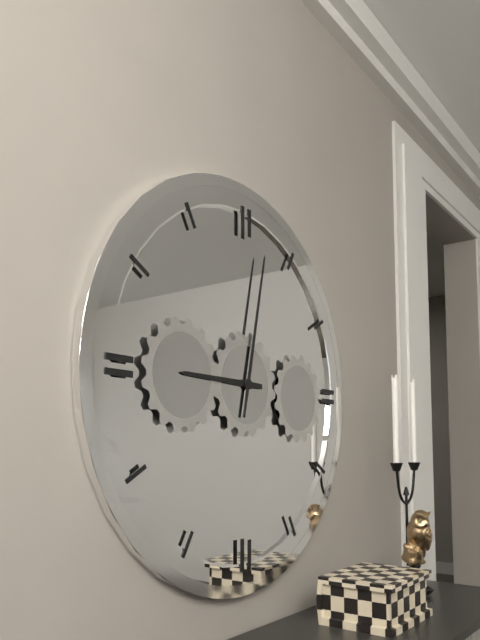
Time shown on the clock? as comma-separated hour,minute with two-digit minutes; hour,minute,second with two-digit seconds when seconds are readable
9,02
